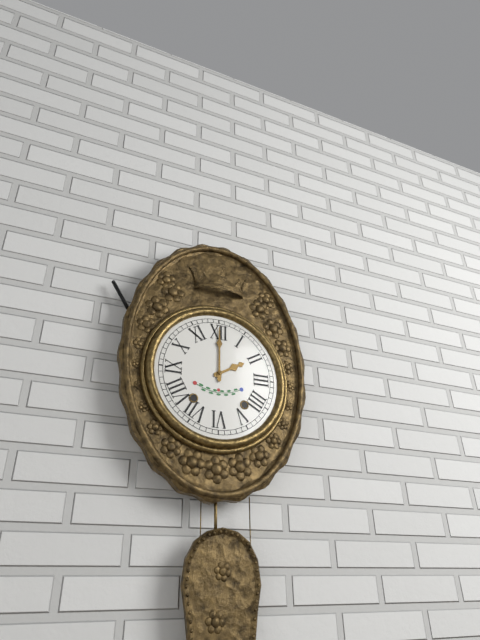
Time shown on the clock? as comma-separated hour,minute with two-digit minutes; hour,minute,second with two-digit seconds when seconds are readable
2,00
